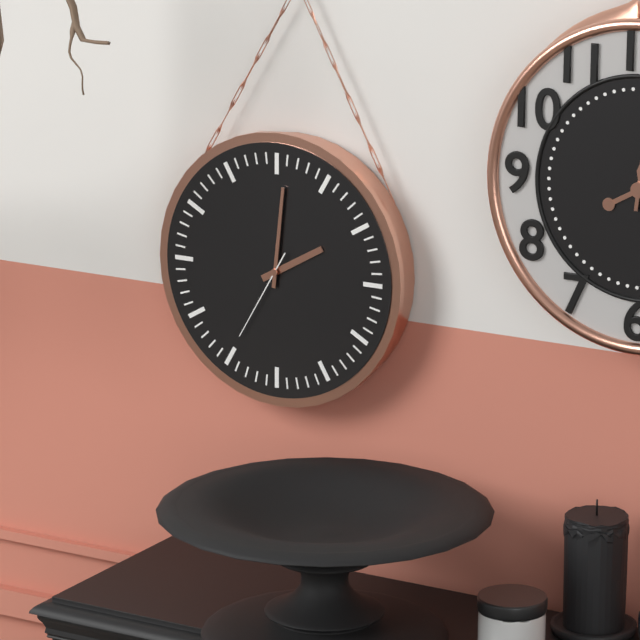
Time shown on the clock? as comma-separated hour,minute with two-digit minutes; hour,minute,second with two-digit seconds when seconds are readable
2,01,35
